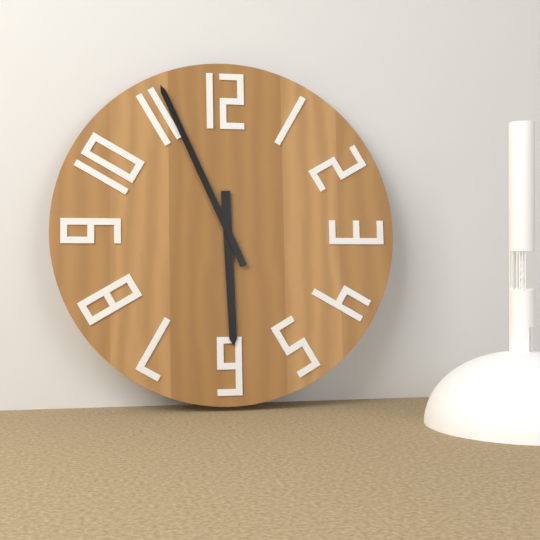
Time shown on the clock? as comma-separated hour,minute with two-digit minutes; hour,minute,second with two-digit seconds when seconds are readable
5,56
